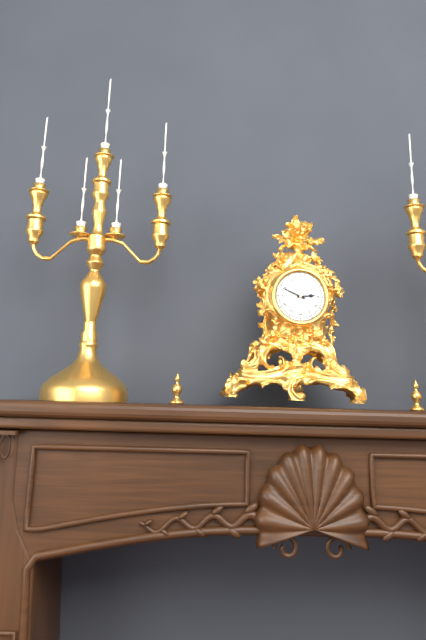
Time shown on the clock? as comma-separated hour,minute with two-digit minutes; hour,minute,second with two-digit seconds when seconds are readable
2,49
